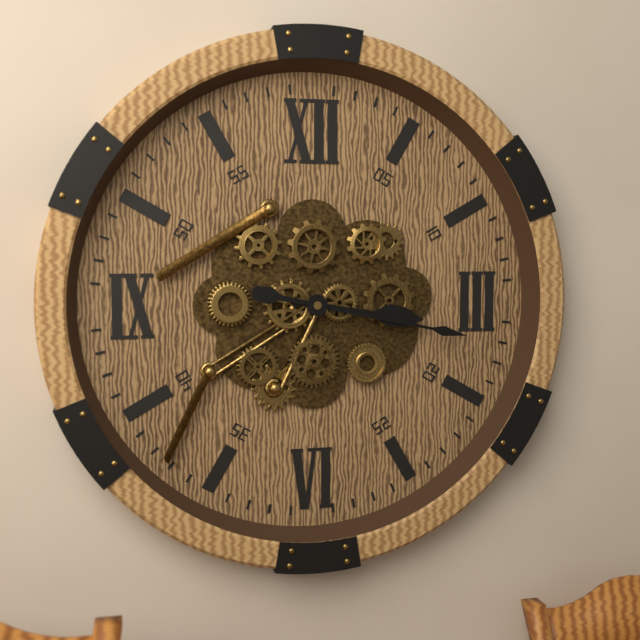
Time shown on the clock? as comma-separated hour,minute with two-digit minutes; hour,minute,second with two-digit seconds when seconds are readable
3,17
